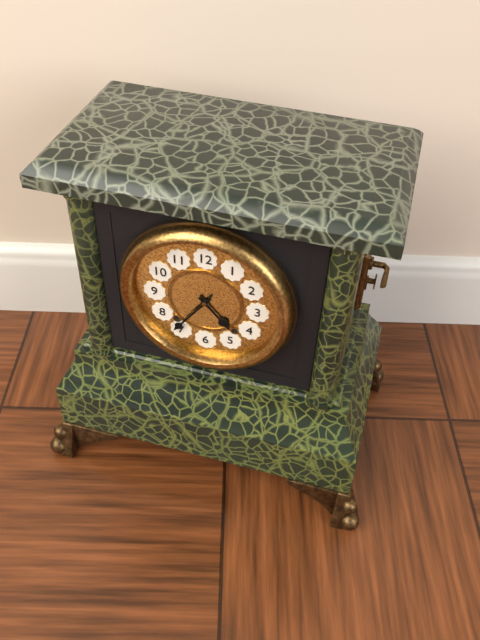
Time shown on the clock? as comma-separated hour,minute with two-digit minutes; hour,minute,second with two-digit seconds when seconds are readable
4,36
